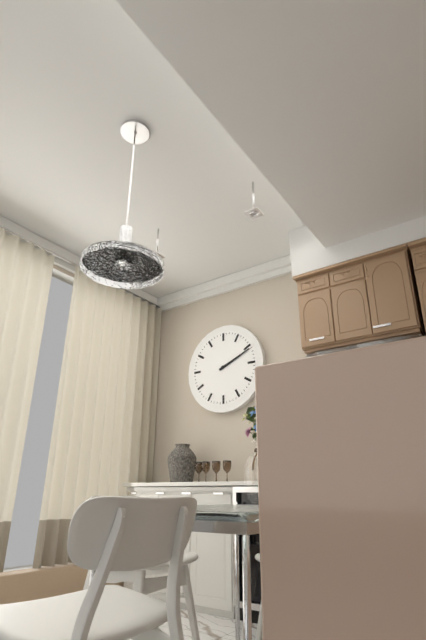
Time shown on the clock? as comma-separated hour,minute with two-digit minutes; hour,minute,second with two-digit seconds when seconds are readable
2,11
